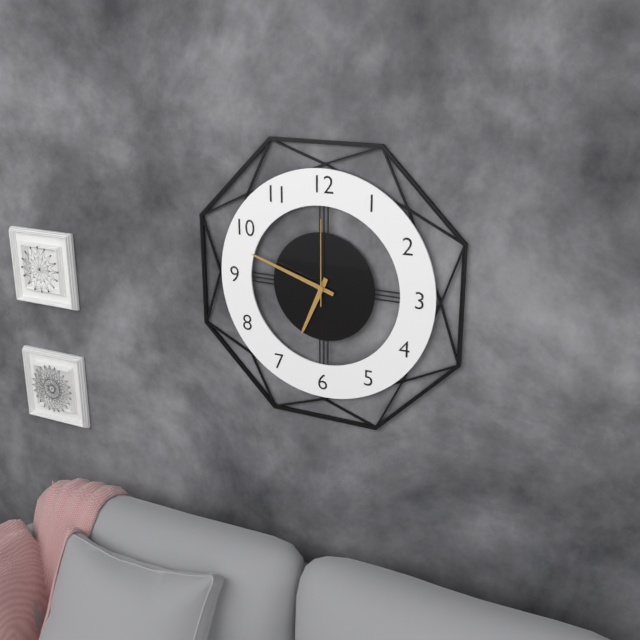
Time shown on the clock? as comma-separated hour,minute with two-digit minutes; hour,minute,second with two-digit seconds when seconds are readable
6,48,00
